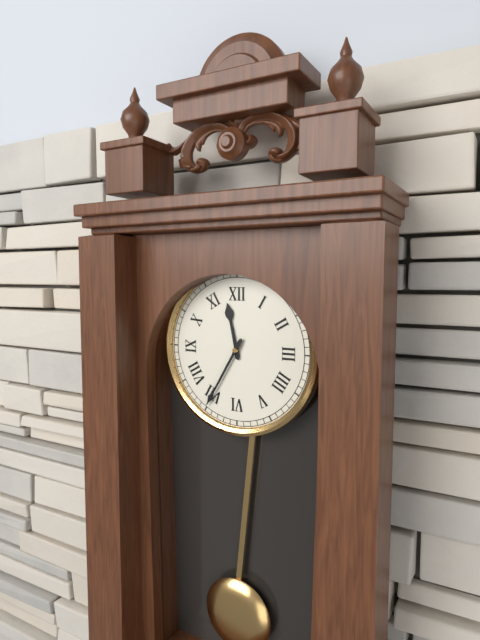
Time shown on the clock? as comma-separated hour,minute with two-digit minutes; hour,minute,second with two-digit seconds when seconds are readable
11,35
